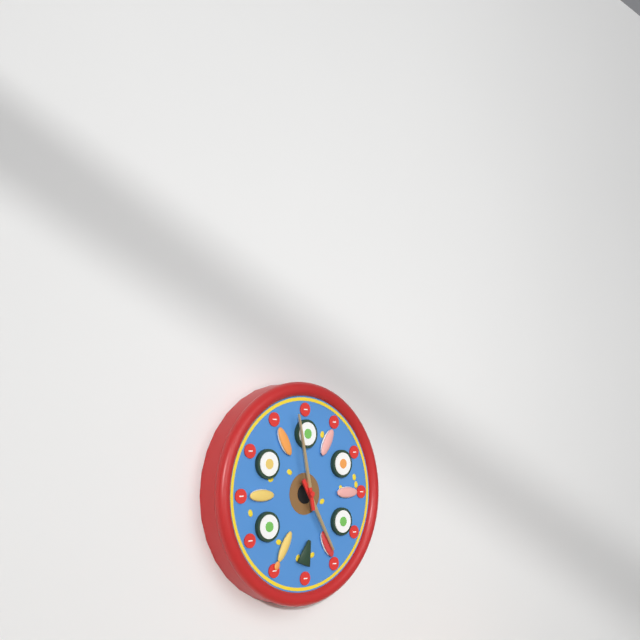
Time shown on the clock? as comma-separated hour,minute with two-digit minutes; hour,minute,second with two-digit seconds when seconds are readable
4,58
